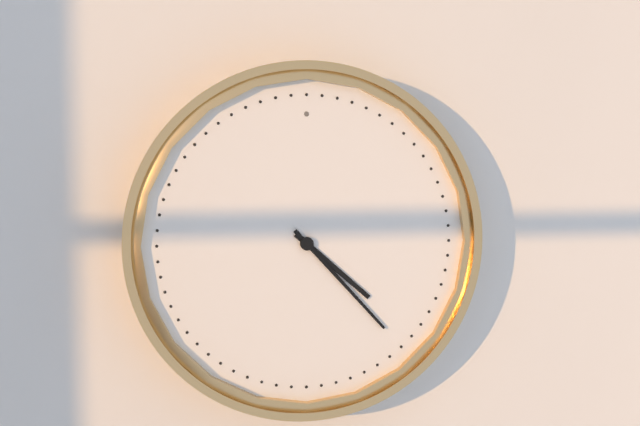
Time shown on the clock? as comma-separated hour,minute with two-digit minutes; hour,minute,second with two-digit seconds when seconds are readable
4,23
